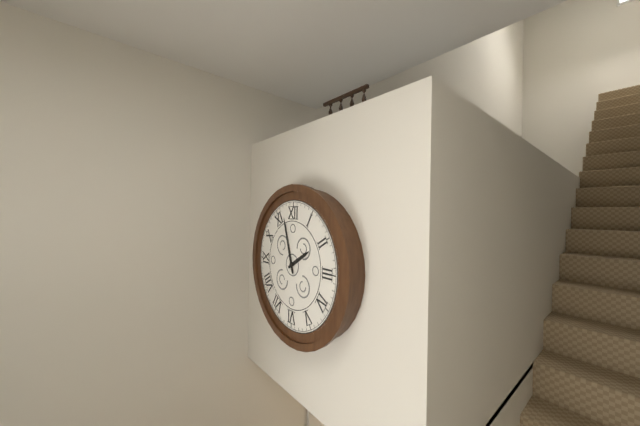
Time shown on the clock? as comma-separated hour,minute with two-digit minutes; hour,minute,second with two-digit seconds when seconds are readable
1,57
